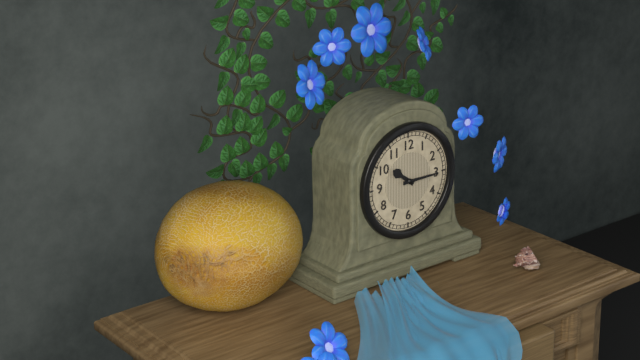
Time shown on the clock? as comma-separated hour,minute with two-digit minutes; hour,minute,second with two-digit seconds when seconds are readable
10,15
